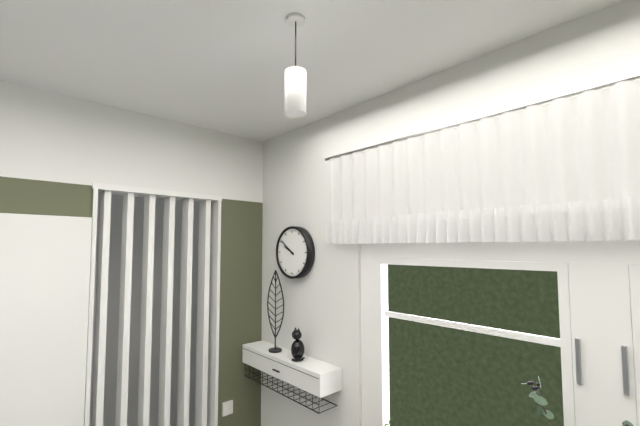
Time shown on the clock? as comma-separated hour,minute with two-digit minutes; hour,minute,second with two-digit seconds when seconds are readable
9,51
